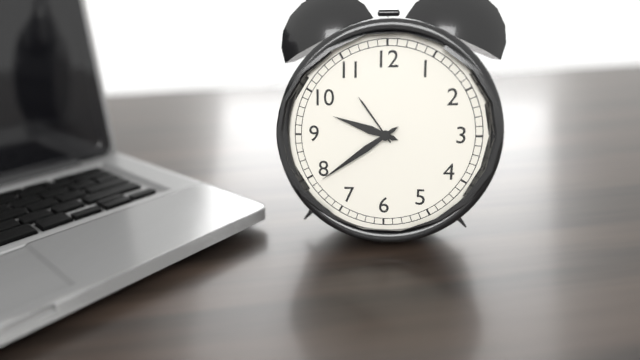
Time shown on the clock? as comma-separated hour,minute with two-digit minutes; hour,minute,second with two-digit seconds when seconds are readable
9,39
